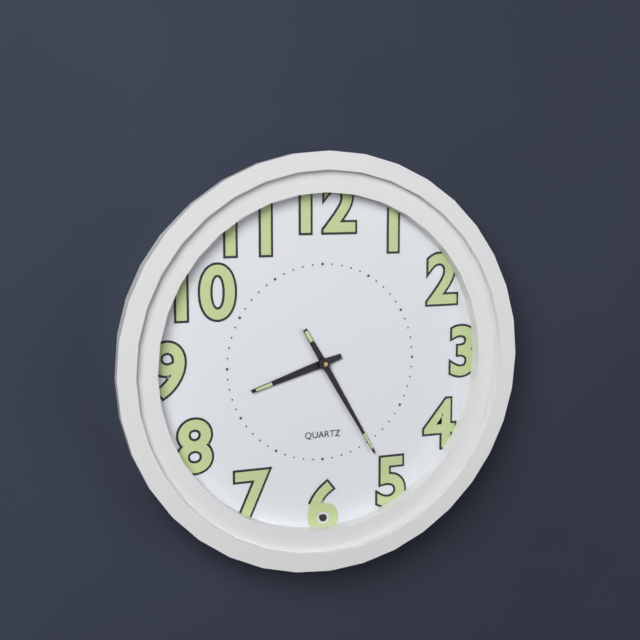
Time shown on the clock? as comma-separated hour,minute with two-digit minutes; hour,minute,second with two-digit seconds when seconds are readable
8,25
